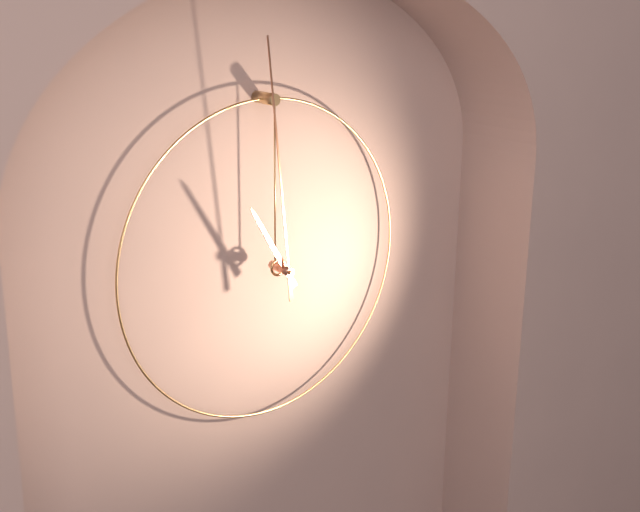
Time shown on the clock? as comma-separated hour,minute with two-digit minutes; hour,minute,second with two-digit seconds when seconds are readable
10,59
